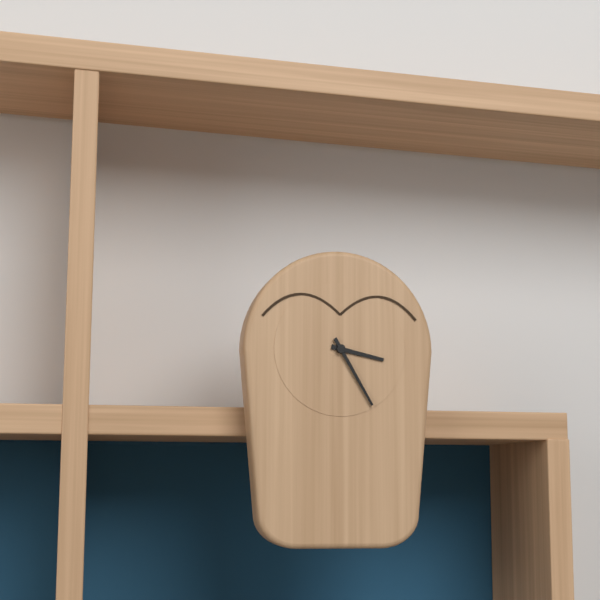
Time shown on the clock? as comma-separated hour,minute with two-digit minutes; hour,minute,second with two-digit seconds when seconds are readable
3,25
